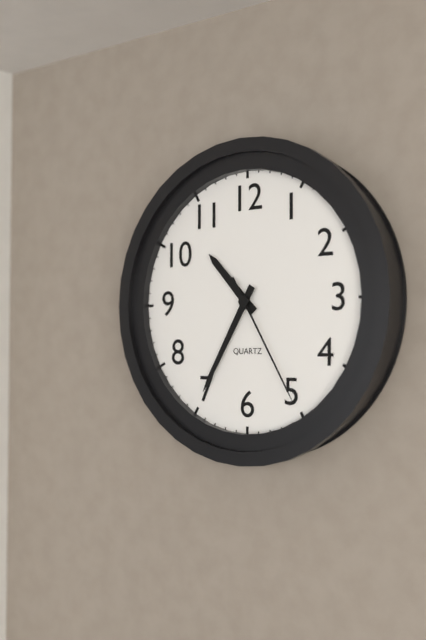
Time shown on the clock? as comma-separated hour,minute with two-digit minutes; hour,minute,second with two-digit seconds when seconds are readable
10,35,25
